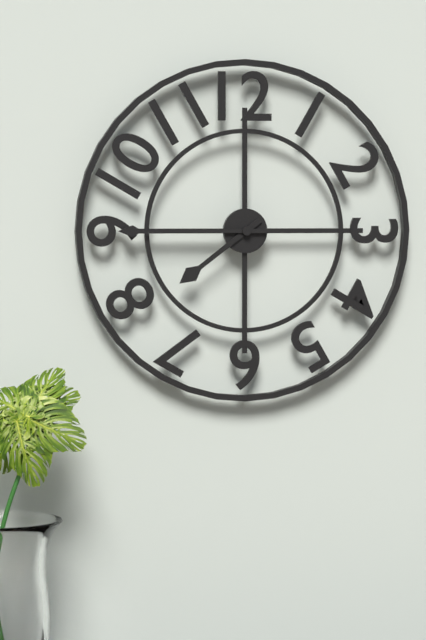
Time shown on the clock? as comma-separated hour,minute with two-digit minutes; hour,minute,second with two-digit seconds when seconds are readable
7,45
